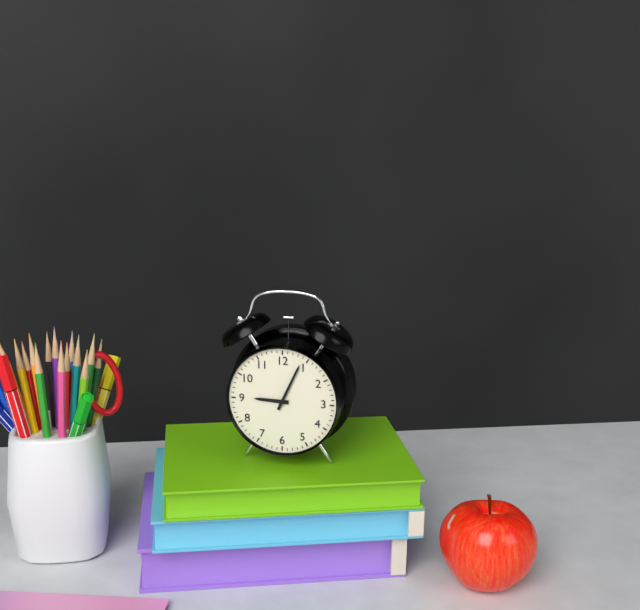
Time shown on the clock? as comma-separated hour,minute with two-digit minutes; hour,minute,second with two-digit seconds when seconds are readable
9,04
